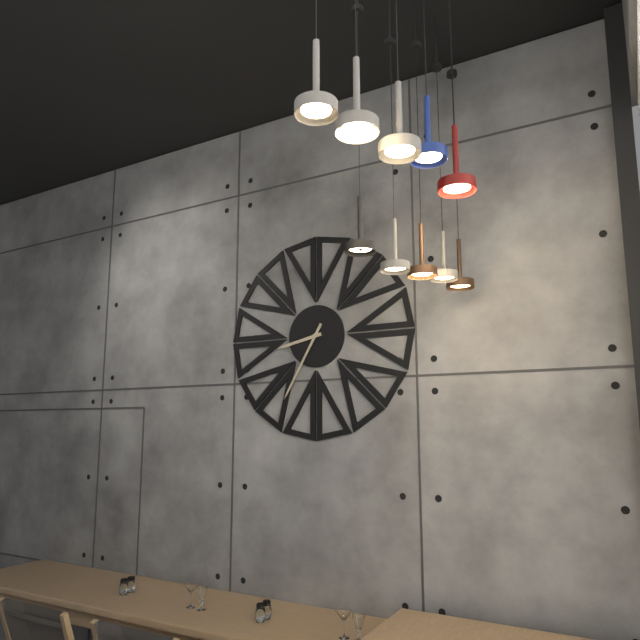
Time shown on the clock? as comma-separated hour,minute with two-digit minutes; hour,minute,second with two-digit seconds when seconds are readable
8,35
